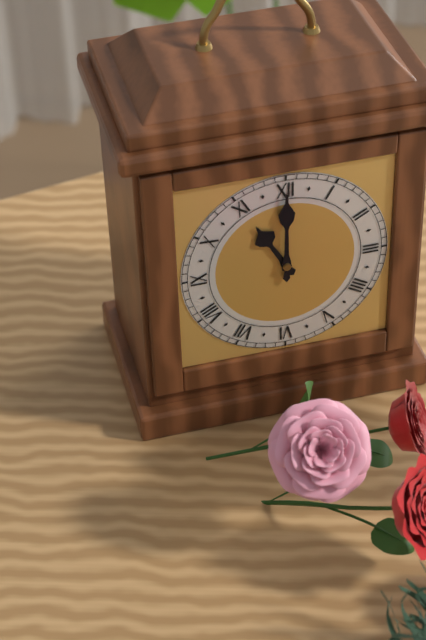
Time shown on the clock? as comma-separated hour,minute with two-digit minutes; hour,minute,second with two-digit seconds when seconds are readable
11,00
